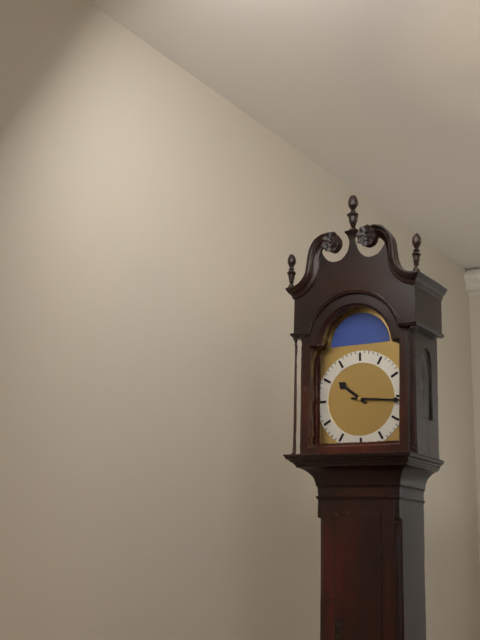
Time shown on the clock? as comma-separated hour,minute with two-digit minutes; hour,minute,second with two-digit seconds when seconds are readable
10,16
